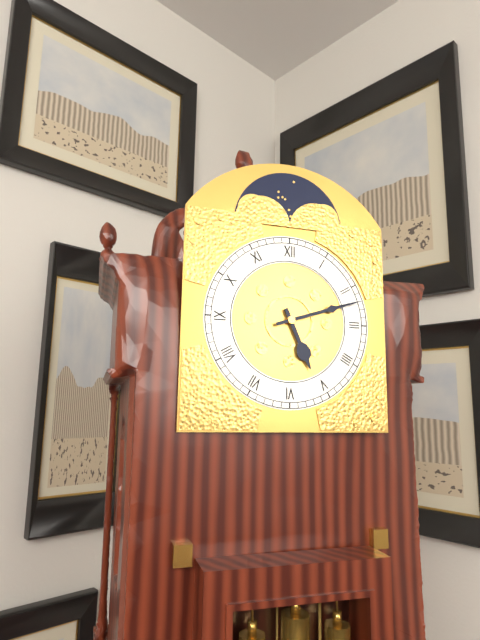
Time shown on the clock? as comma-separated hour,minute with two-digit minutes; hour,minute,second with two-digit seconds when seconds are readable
5,12
